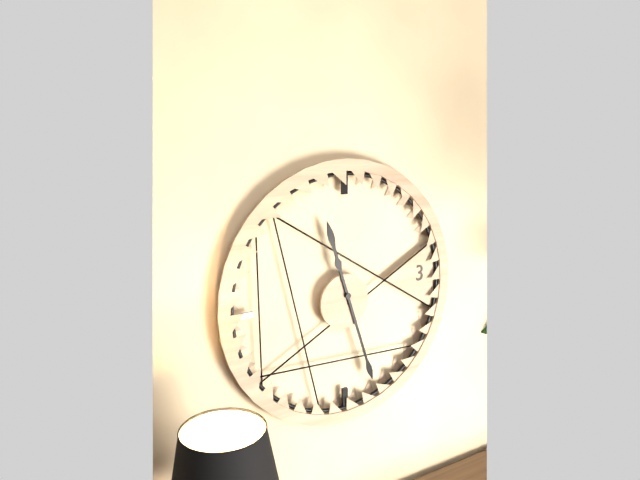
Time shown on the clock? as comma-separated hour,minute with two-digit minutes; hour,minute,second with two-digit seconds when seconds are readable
11,27
